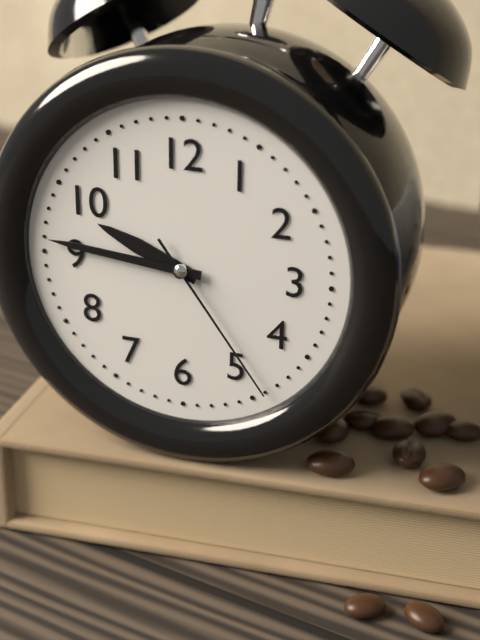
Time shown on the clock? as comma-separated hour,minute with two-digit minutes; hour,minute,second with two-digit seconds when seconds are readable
9,46,24
